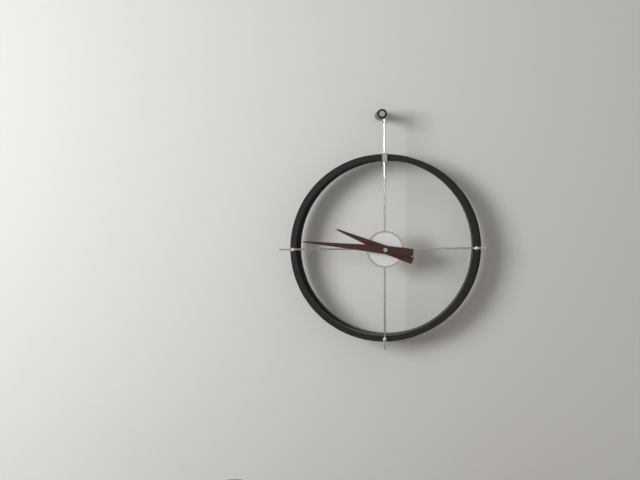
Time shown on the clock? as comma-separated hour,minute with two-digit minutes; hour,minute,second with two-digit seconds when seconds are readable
9,46
